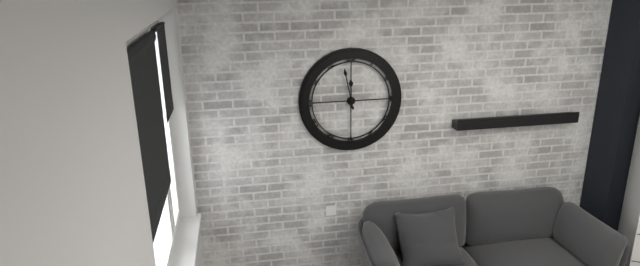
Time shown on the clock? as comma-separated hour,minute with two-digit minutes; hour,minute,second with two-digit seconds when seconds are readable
11,58
